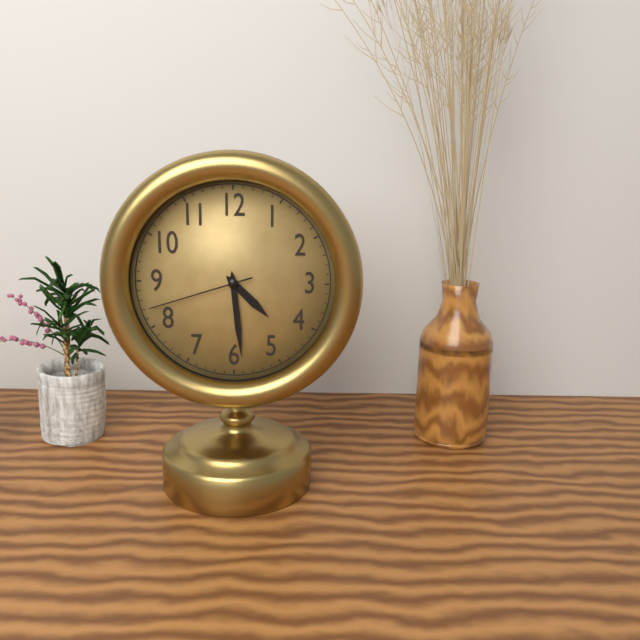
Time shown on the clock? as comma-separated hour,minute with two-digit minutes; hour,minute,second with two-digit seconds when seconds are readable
4,29,42
